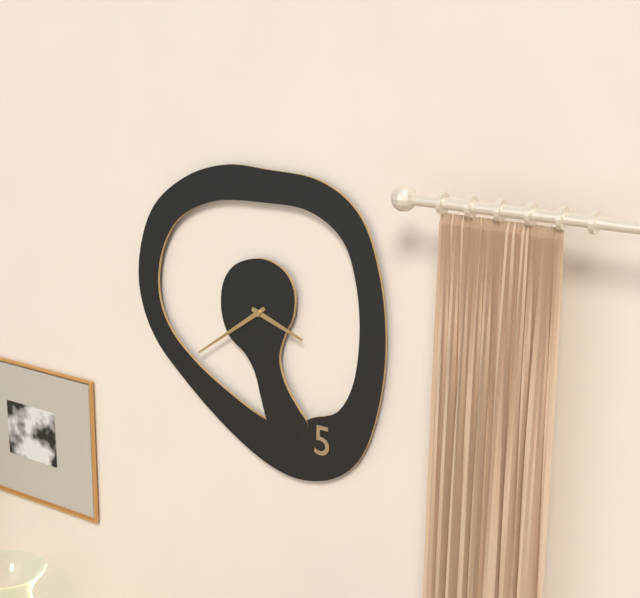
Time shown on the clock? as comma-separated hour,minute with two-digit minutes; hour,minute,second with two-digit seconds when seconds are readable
3,39
